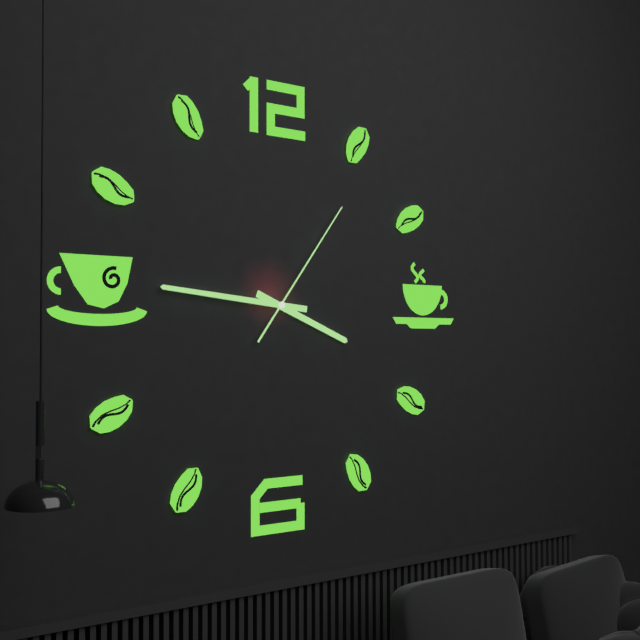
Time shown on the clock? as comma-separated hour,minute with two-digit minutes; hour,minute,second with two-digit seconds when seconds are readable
3,46,06
